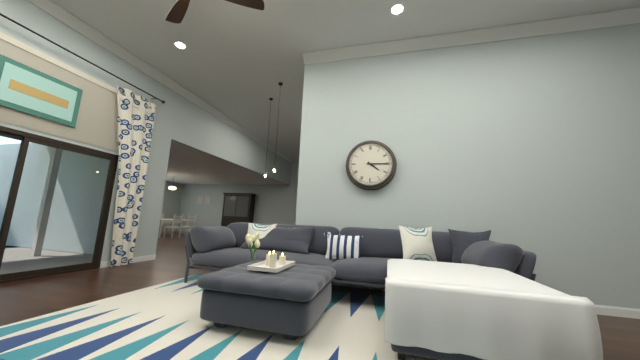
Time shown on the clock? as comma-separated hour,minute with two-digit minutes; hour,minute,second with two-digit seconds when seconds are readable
4,15
